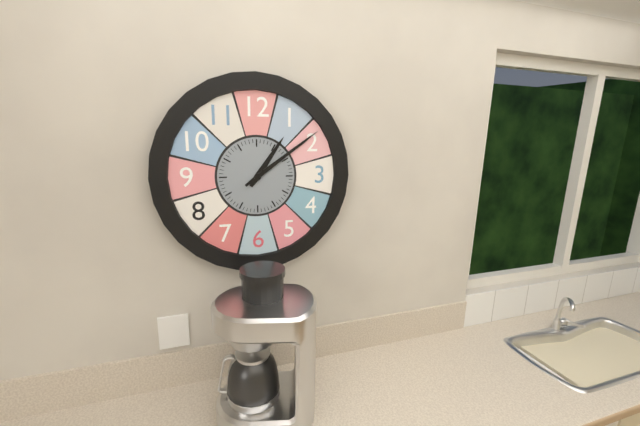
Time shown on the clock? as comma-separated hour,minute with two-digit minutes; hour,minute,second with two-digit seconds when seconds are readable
1,09
